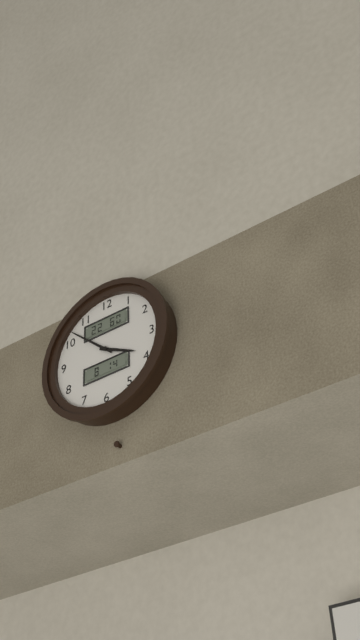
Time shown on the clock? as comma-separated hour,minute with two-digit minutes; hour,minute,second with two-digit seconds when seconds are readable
3,52
